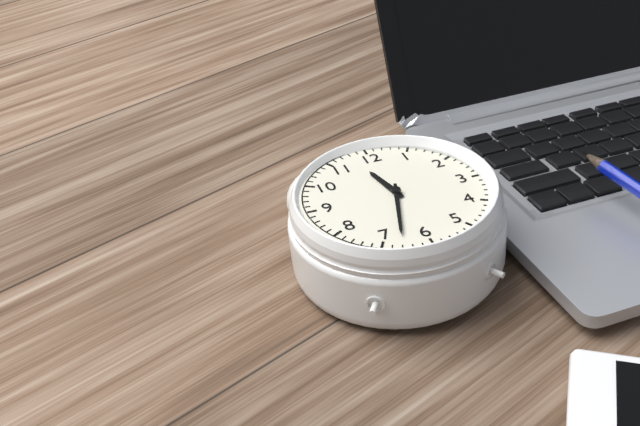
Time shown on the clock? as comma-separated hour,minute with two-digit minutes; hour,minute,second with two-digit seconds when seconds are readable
11,33
